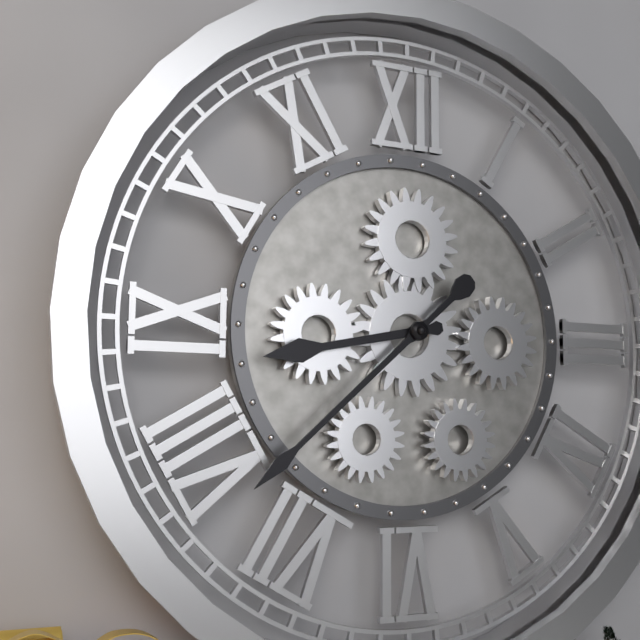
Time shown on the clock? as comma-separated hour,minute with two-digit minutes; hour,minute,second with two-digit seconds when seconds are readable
8,38
